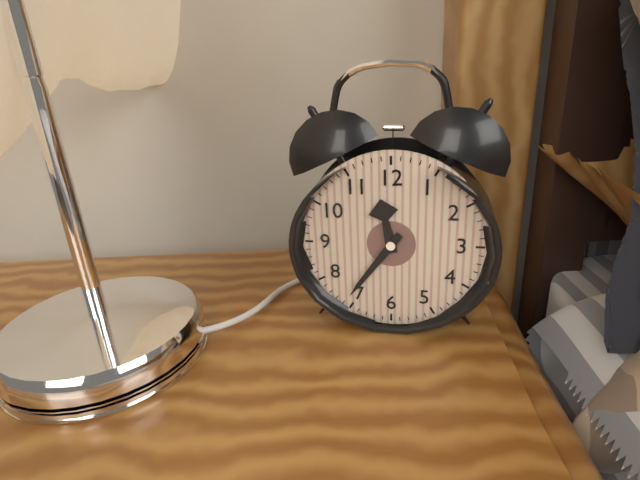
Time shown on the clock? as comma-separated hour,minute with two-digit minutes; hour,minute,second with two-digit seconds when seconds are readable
11,36
